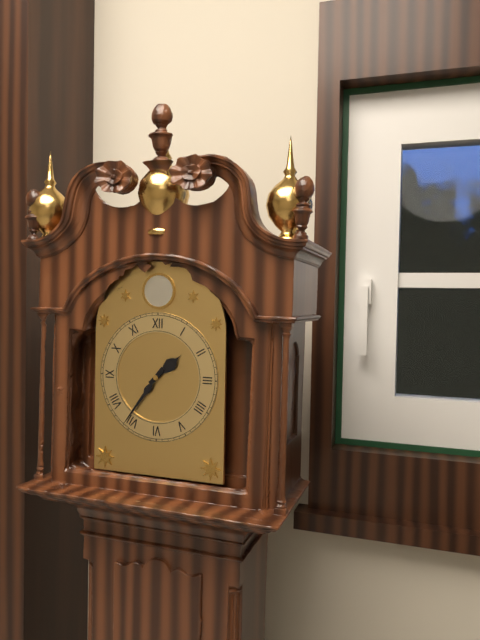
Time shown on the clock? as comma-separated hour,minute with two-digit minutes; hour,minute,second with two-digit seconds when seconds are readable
1,36
